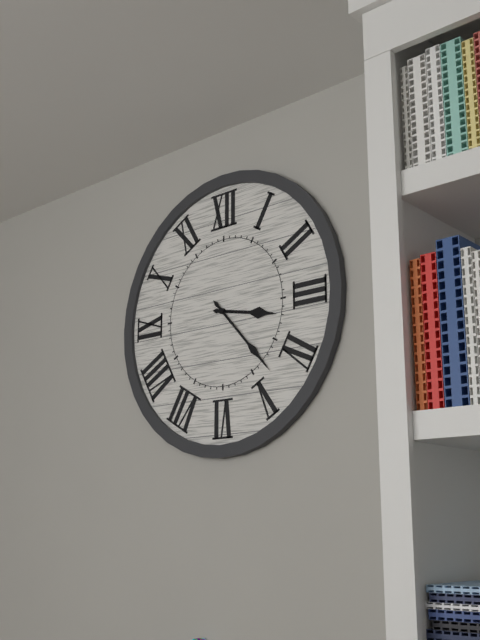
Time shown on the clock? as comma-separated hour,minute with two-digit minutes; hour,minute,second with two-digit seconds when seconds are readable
3,23
